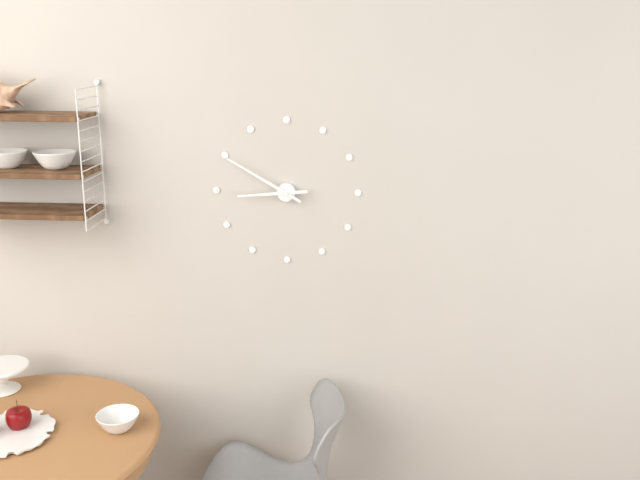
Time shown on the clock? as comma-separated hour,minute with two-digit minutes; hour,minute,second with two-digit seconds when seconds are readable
8,50
